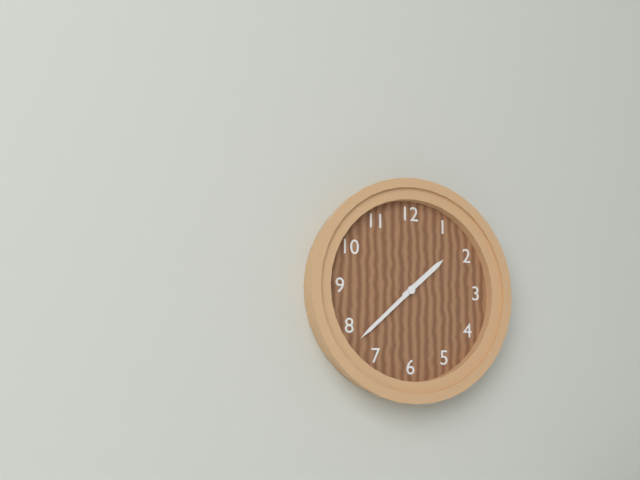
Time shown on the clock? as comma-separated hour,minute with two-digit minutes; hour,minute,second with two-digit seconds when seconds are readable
1,38
